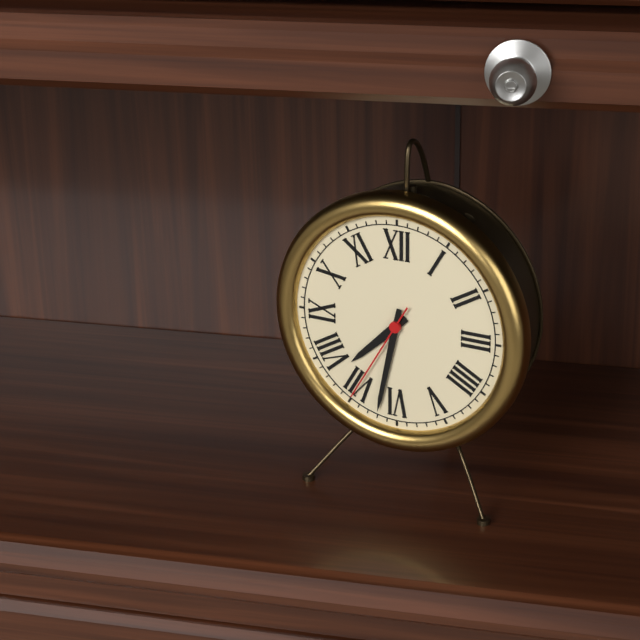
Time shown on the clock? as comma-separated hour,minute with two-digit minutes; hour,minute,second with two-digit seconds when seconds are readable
7,32,35
